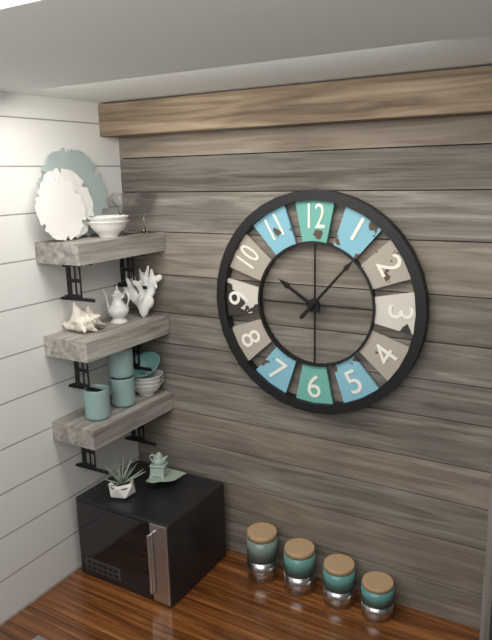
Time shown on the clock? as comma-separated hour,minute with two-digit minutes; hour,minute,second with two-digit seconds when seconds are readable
10,07
